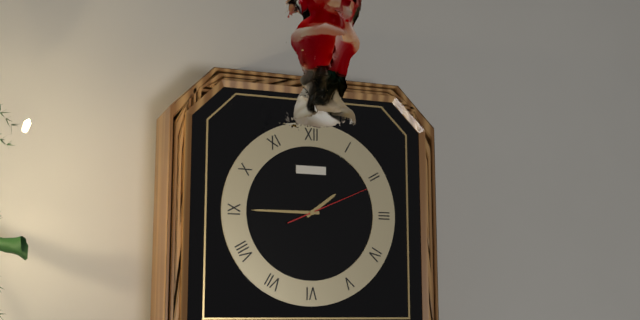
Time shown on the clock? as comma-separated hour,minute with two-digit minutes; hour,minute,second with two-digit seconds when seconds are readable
1,45,11
